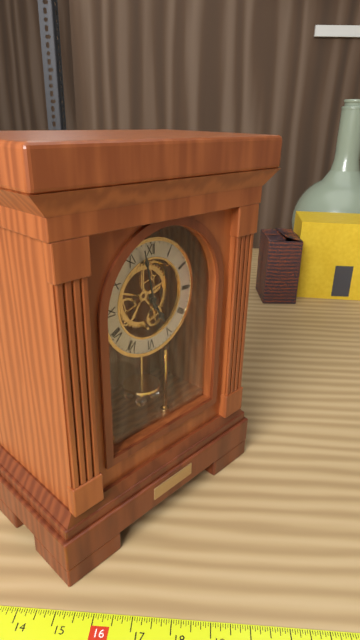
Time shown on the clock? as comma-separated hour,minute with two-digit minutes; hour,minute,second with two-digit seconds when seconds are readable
4,58
